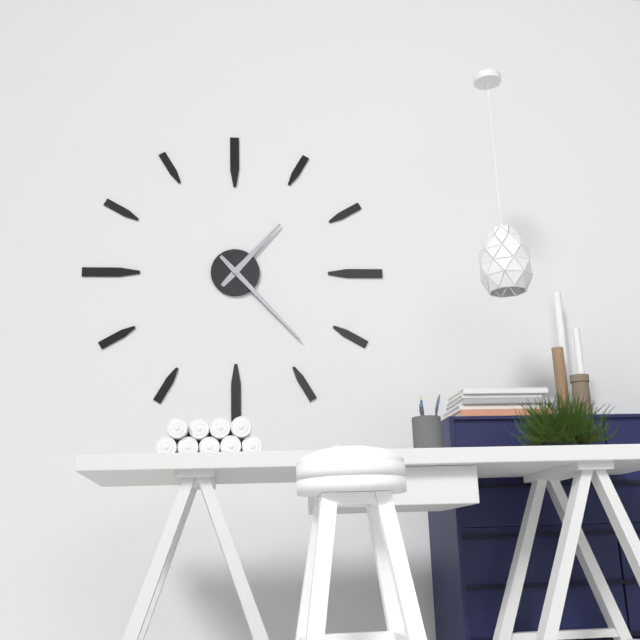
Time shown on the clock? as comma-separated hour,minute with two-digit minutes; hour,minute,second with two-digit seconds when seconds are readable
1,23
